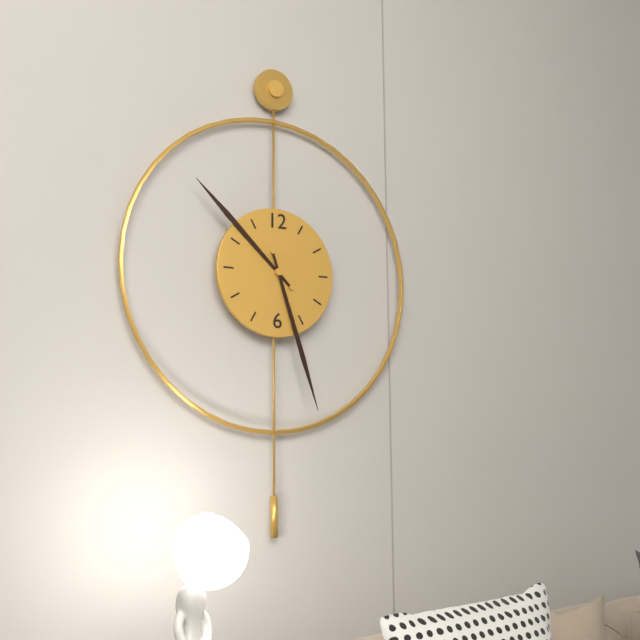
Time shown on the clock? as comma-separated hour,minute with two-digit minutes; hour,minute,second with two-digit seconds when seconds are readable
10,27
